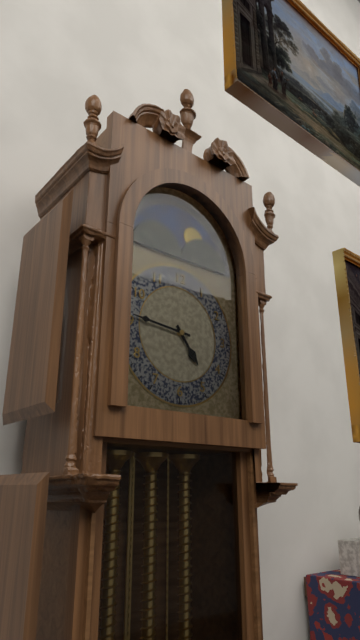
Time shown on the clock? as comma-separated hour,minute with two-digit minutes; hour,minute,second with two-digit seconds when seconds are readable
4,46
